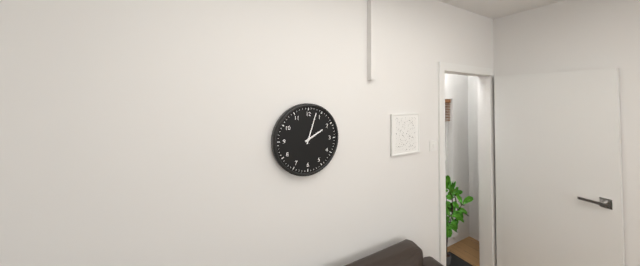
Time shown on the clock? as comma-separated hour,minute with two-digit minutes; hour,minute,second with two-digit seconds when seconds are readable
2,03
